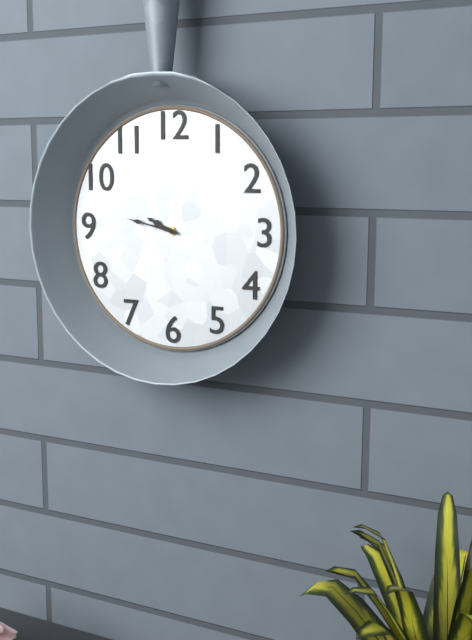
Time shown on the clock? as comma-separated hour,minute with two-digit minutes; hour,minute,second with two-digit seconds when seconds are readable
9,47
